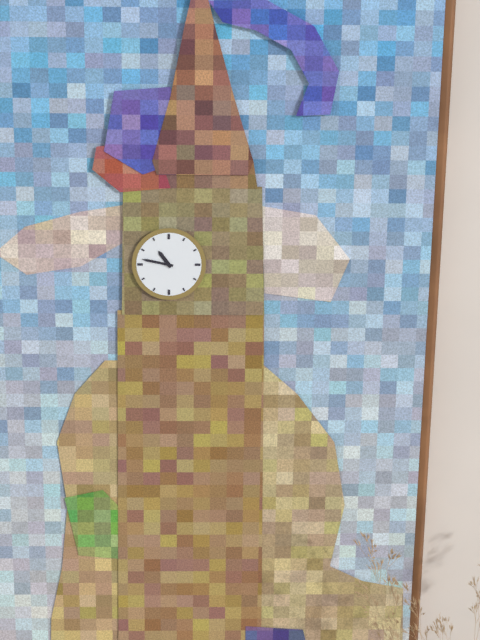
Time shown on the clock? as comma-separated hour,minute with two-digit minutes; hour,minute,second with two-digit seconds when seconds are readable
10,47
